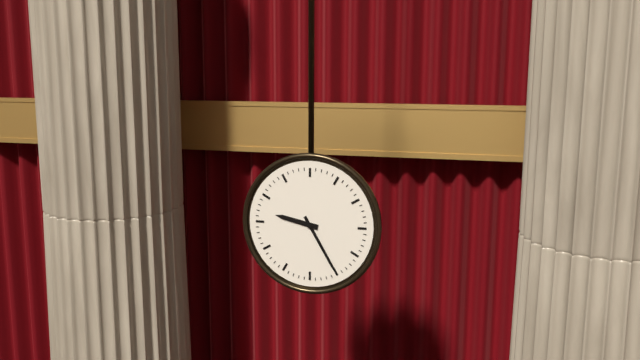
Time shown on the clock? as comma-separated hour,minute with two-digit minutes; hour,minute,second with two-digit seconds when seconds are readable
9,25
